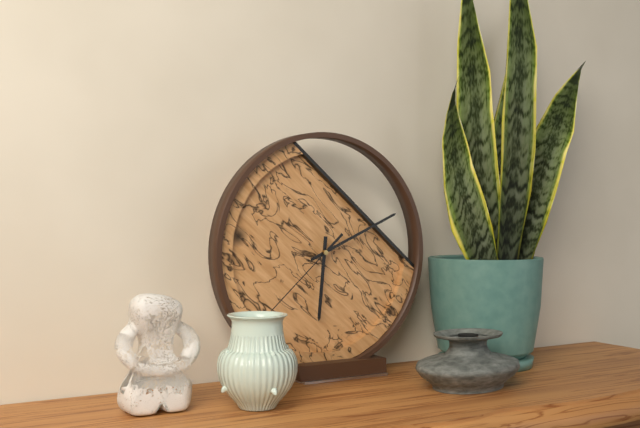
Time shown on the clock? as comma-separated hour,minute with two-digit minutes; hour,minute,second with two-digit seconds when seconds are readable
6,11,38
